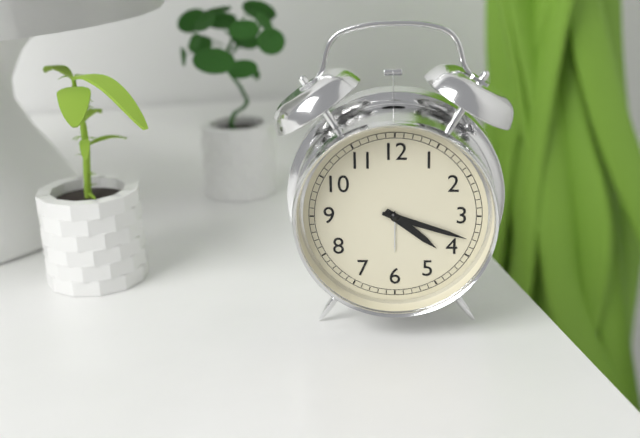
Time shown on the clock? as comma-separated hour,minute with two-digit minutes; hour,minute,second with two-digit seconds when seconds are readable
4,18
